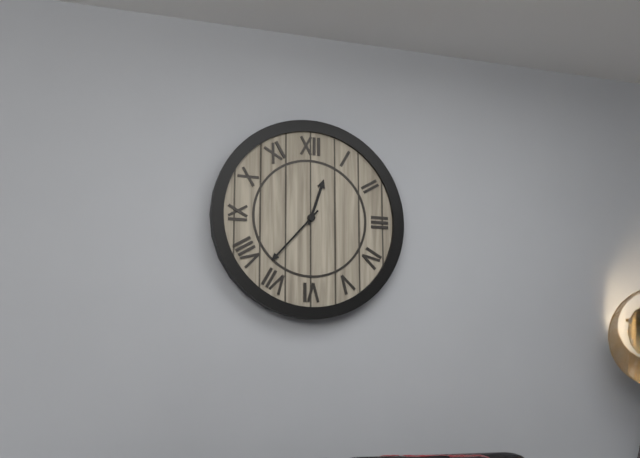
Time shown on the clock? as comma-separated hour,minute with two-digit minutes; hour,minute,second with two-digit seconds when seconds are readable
12,37
